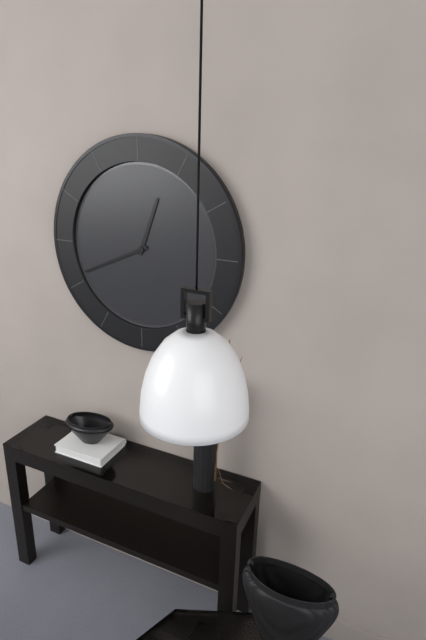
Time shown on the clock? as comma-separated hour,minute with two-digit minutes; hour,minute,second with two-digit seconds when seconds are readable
12,41
